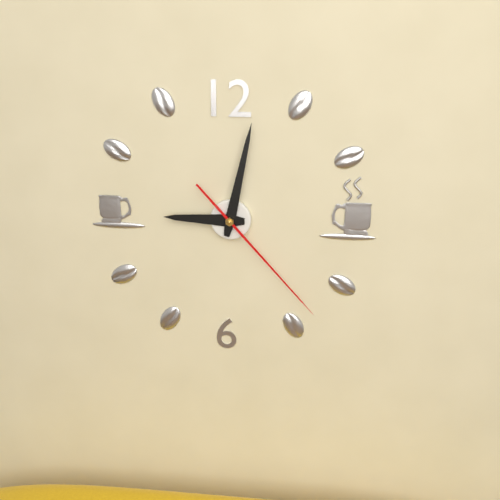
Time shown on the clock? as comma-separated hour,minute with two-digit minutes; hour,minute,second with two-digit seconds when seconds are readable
9,02,23
